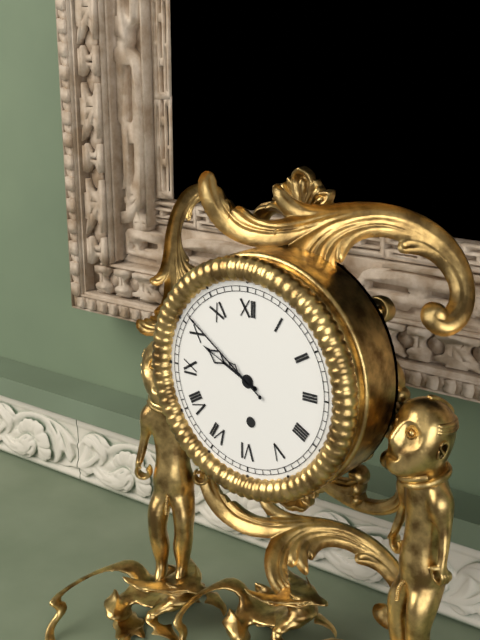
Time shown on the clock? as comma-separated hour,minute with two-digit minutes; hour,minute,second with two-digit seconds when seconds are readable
9,51
